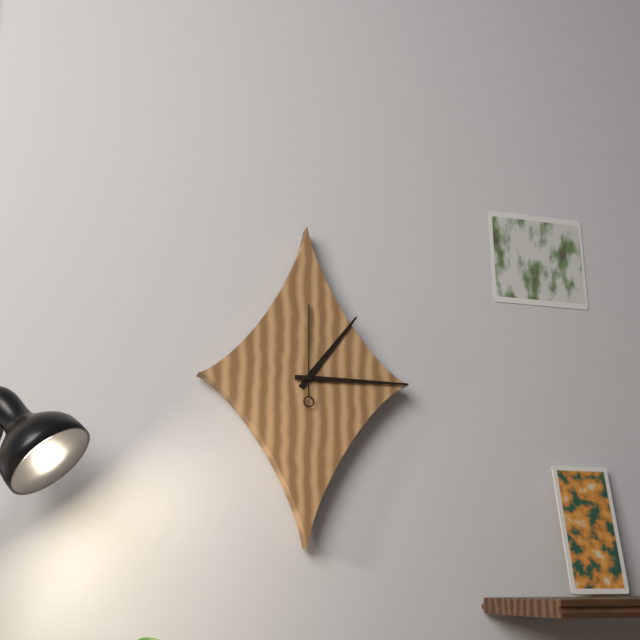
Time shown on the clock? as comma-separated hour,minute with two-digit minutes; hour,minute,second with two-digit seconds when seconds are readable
1,15,00
